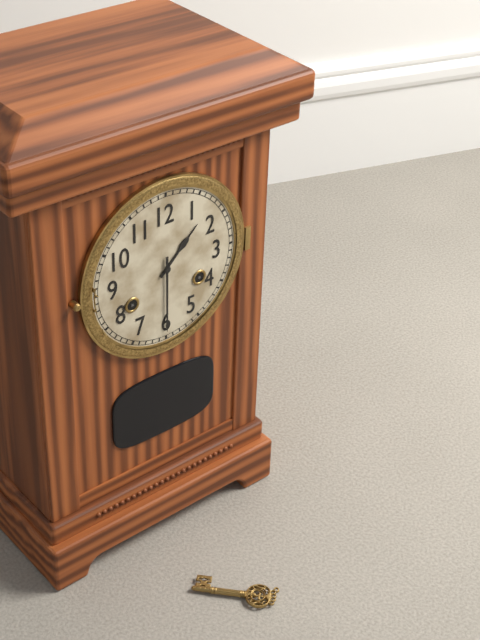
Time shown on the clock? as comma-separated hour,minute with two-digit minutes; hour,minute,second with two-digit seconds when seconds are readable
1,30
